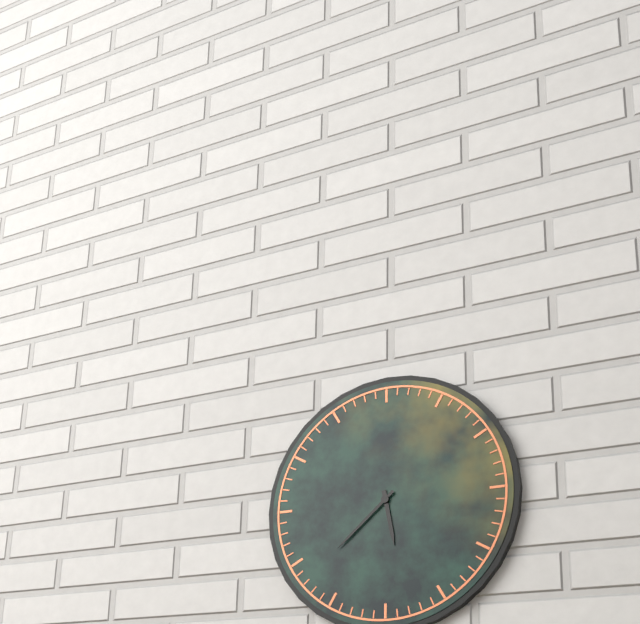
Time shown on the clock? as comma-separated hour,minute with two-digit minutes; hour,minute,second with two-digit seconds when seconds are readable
5,38
